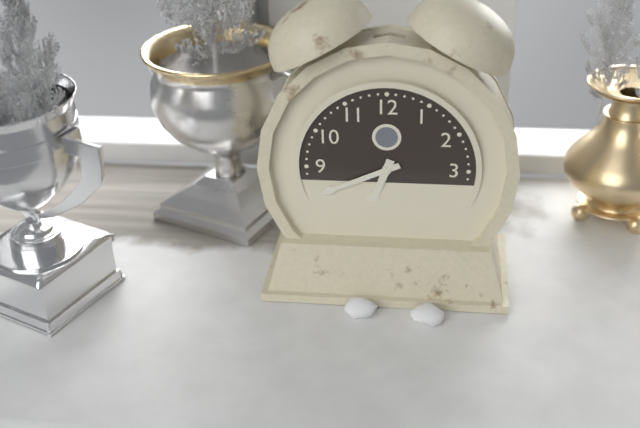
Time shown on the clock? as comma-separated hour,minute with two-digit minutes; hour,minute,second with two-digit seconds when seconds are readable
6,41
